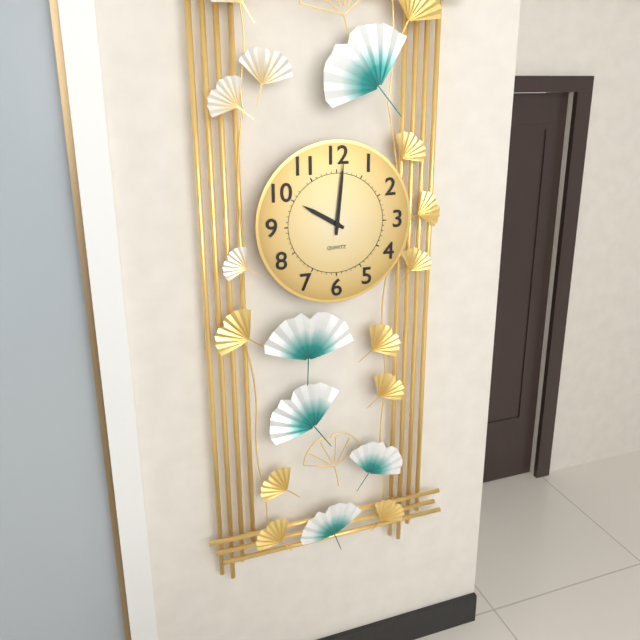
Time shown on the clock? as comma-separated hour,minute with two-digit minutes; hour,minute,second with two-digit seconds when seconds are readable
10,01
